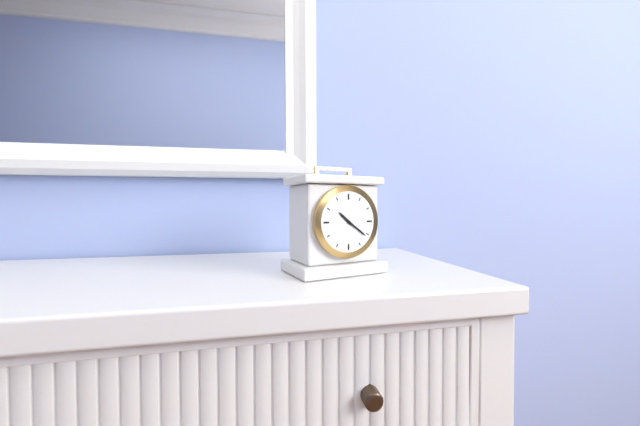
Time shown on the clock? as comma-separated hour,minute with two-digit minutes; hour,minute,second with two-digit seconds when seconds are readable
10,21
